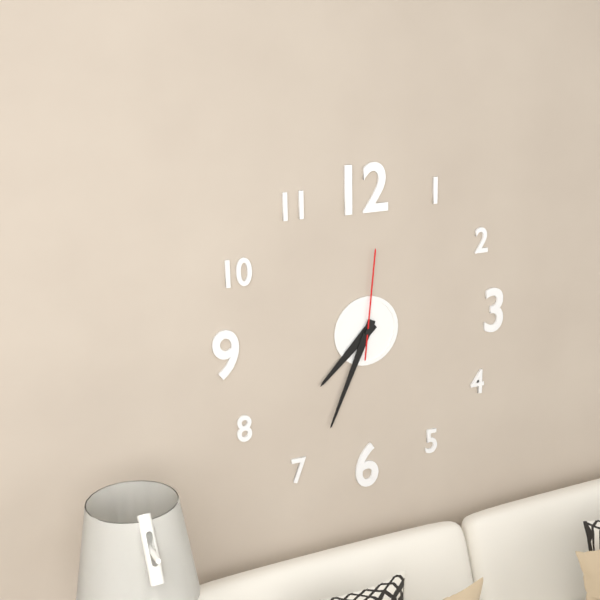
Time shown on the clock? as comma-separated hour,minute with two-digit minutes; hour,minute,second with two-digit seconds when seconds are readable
7,34,01
